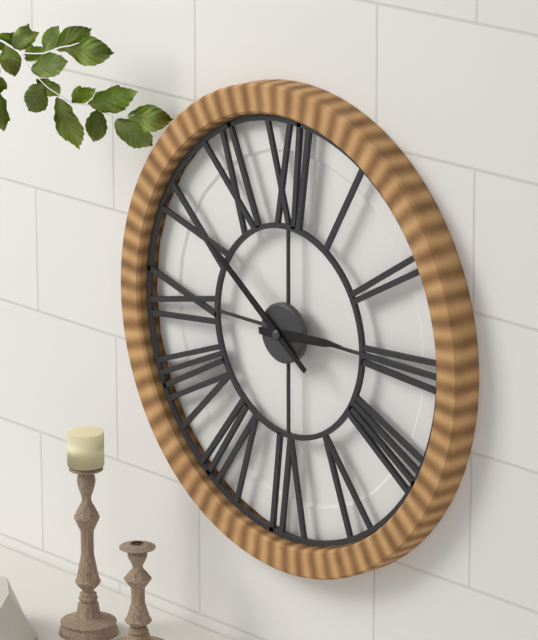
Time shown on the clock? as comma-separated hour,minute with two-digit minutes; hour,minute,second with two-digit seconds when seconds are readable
2,51
